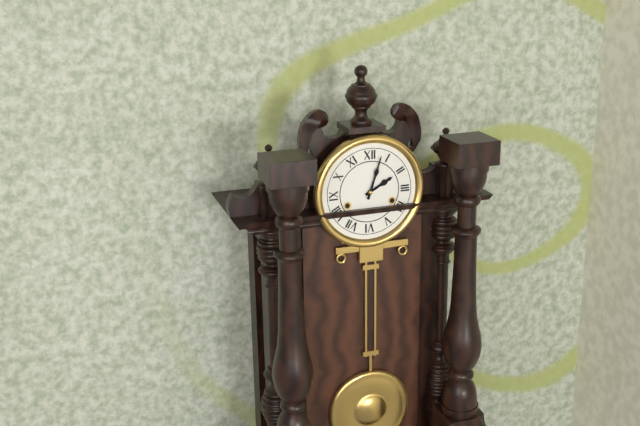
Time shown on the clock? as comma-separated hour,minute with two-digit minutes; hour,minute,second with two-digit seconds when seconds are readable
2,03
